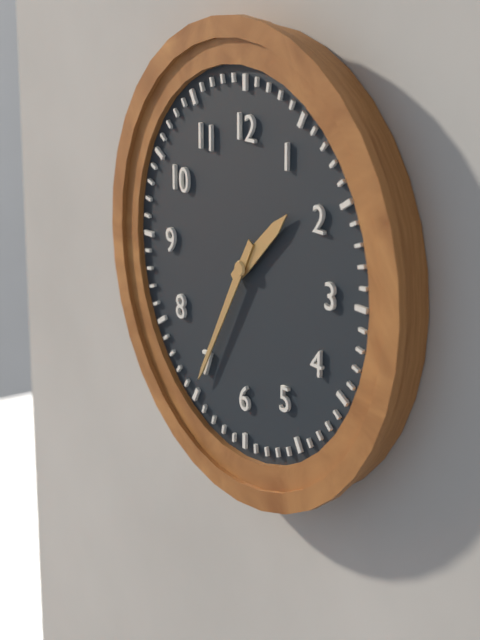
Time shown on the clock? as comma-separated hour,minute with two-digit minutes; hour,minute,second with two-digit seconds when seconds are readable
1,35
